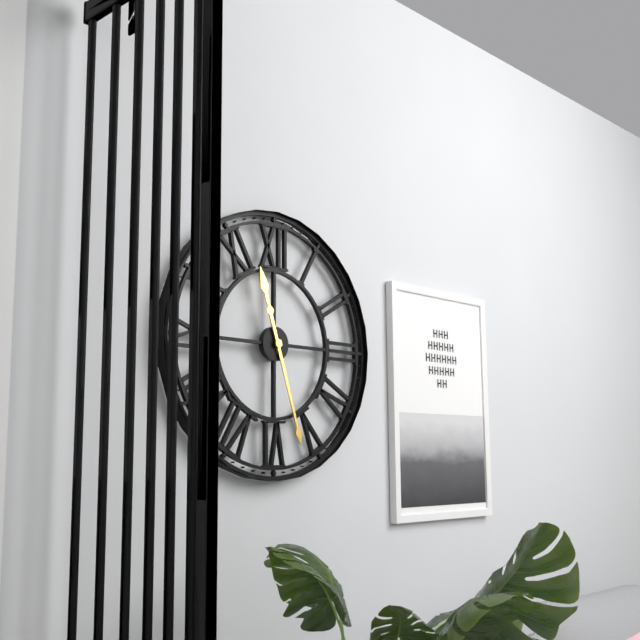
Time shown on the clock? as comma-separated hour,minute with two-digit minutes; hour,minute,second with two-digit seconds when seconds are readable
11,27
